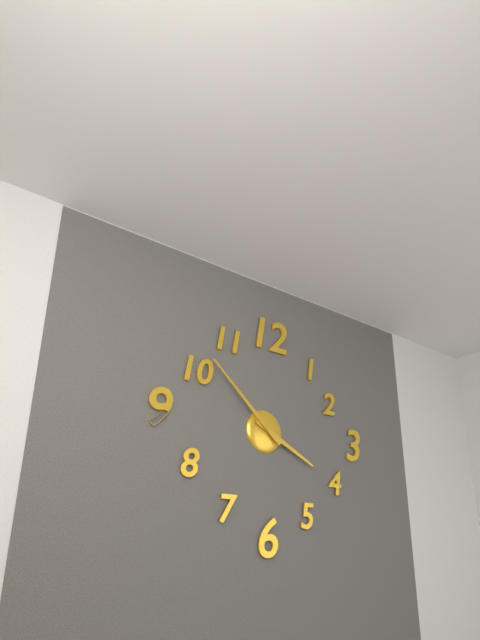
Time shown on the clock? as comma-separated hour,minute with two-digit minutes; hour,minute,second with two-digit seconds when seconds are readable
3,52
